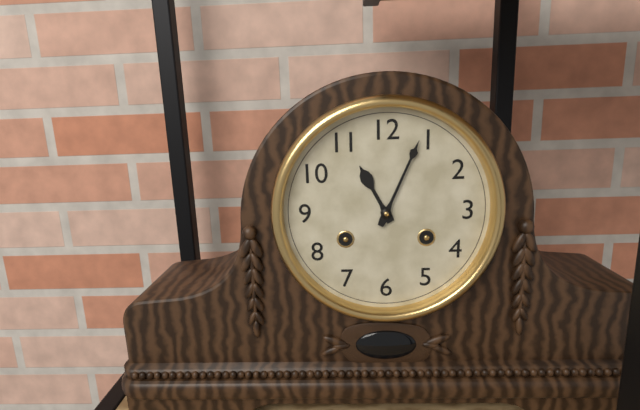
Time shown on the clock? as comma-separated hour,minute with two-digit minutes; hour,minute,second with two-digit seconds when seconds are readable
11,04
